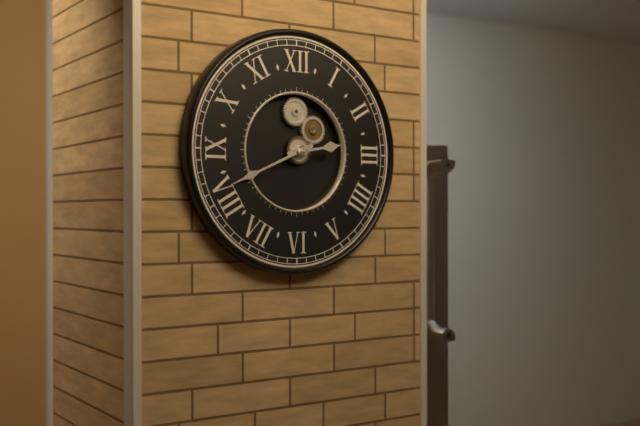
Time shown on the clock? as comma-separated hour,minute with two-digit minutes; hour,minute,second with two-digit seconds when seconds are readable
2,41
